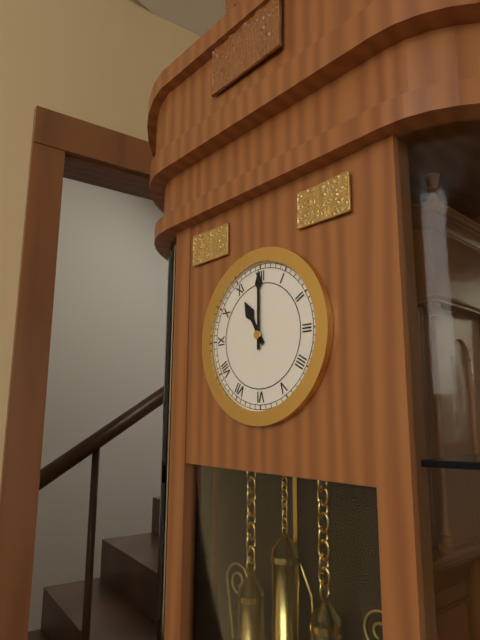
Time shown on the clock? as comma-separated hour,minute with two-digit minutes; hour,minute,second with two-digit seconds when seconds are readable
11,00
